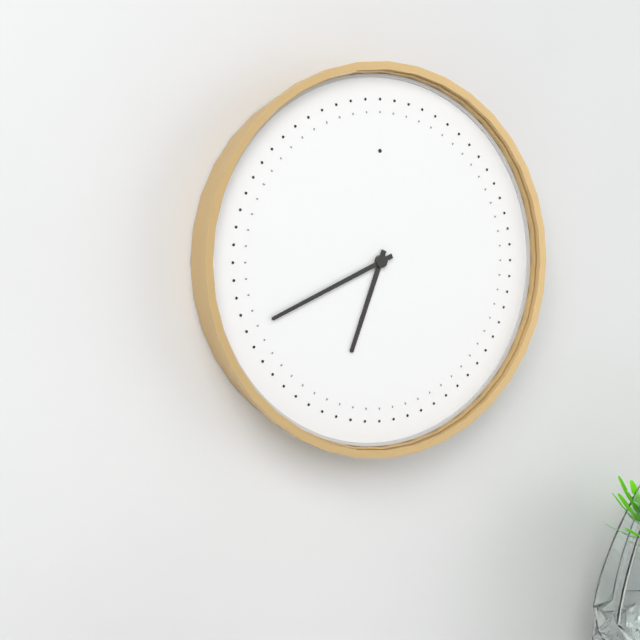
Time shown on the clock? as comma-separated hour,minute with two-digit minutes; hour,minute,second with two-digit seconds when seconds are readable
6,41
